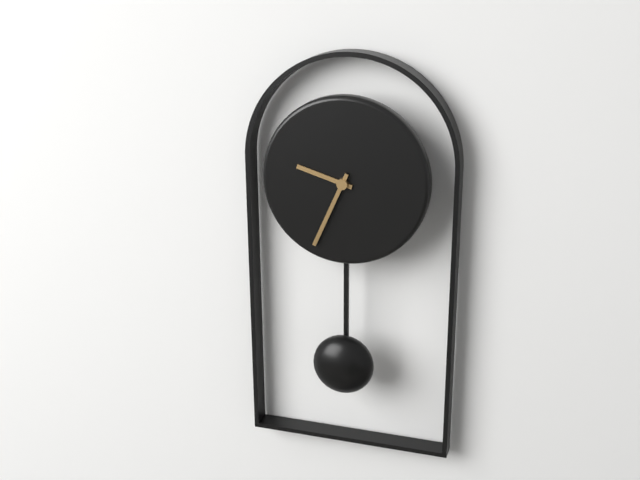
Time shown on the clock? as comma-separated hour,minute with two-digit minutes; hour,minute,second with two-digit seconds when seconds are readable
9,34
